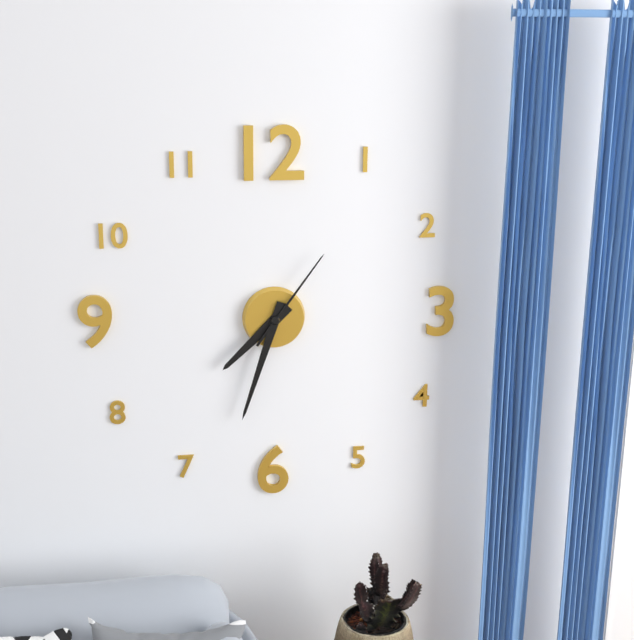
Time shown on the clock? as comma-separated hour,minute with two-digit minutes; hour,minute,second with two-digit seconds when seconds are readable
7,33,06
